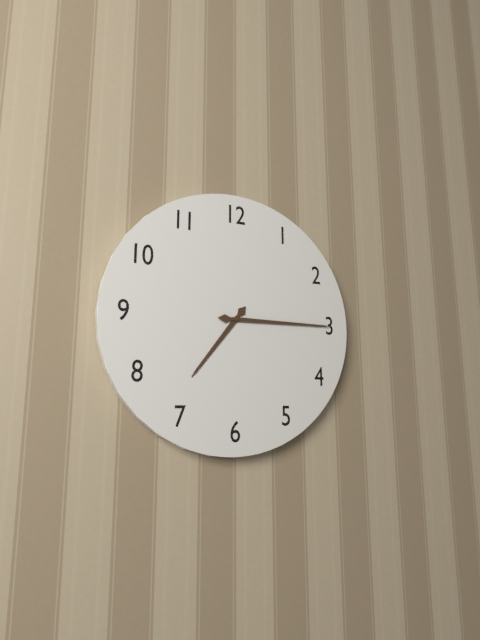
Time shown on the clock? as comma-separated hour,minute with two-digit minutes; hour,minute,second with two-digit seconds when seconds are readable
7,15
